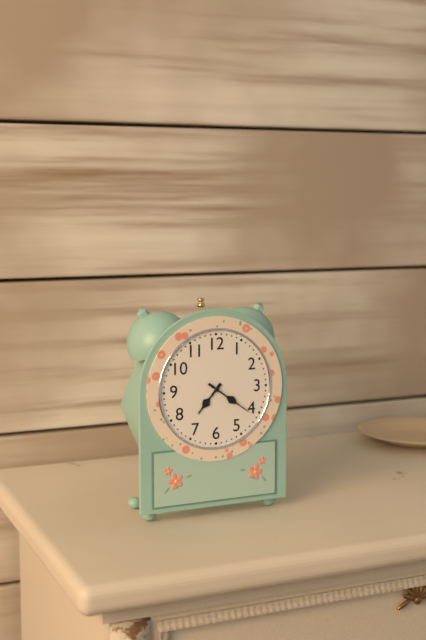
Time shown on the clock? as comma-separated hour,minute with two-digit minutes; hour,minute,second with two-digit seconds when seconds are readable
7,21
